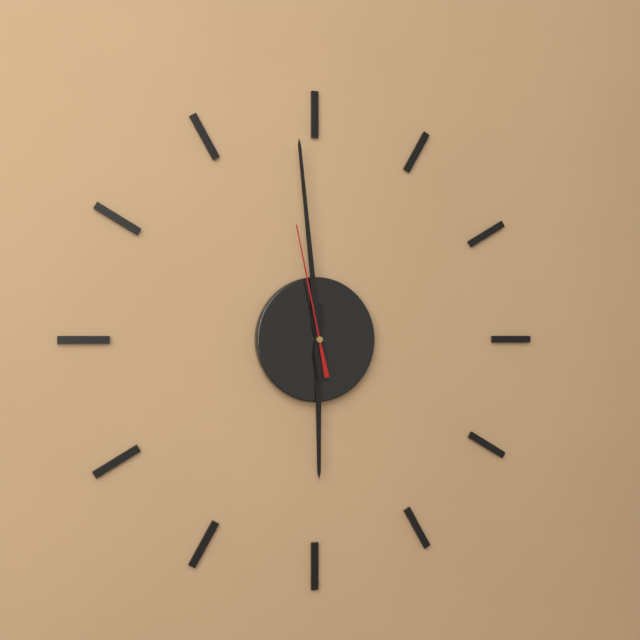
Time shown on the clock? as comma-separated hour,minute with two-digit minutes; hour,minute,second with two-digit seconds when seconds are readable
5,59,58
